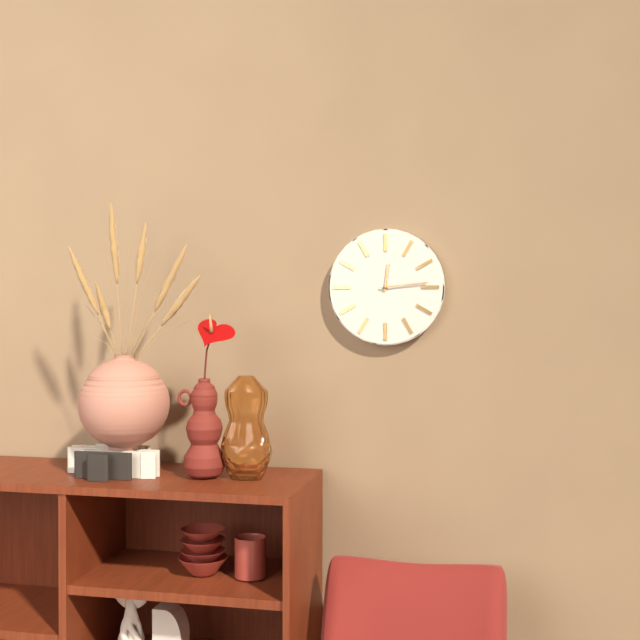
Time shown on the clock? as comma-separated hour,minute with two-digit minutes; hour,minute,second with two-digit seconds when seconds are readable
12,14
